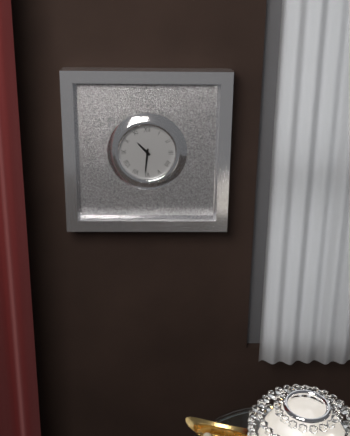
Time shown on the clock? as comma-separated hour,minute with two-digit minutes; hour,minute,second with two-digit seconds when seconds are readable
10,31
